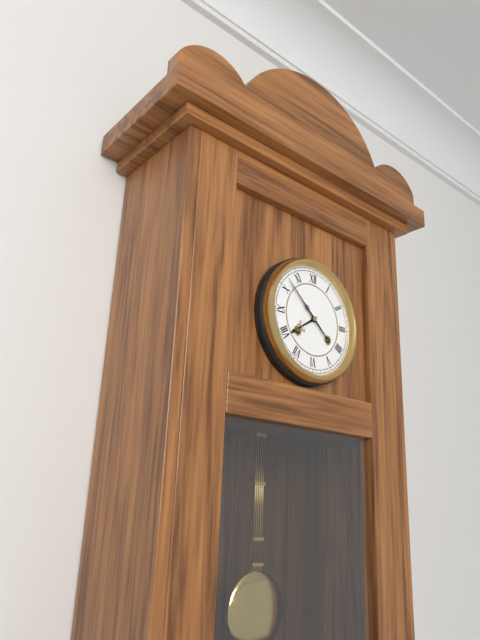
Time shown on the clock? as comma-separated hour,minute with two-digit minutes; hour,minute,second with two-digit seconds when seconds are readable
7,52
